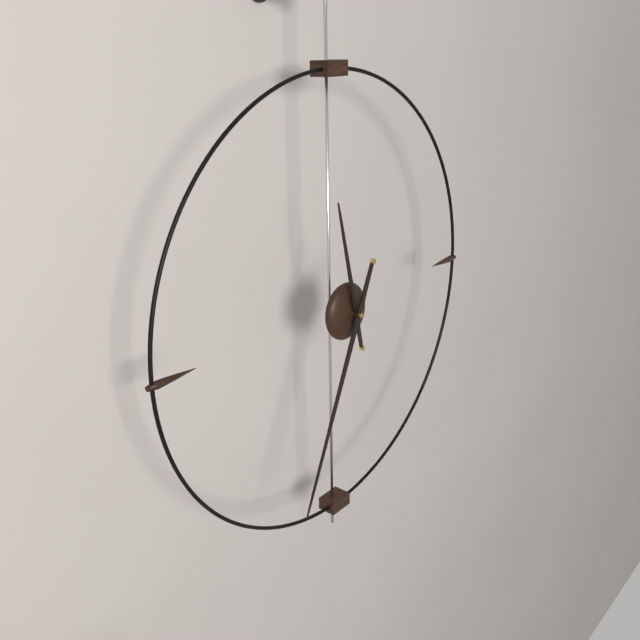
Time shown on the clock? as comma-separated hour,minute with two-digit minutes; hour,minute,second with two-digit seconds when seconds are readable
11,34
